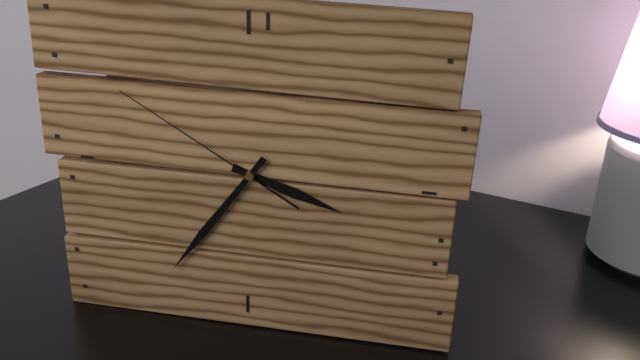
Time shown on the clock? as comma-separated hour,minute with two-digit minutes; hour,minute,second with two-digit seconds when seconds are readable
3,36,50
